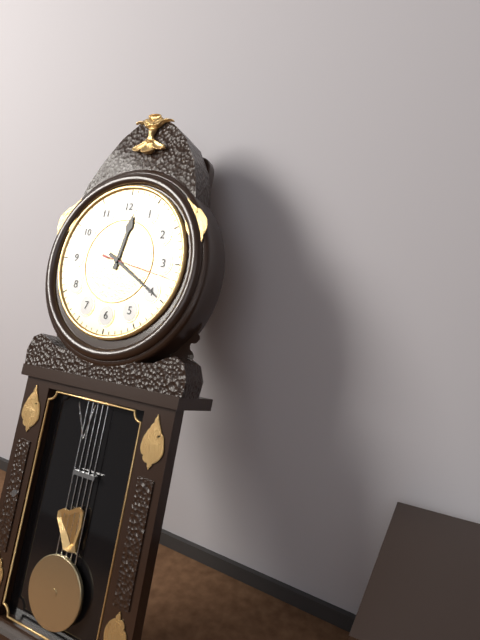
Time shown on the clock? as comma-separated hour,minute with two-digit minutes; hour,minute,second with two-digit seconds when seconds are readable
12,20
